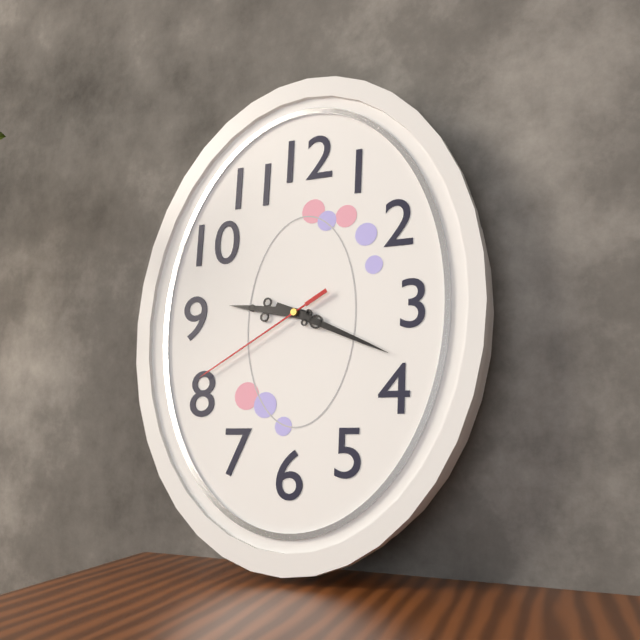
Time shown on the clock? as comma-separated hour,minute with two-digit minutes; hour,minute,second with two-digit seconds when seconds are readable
9,19,40
